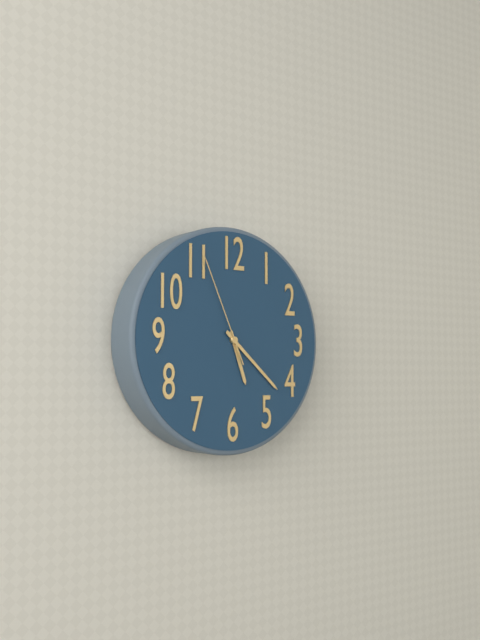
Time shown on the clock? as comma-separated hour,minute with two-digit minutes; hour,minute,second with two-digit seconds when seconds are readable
5,22,56
